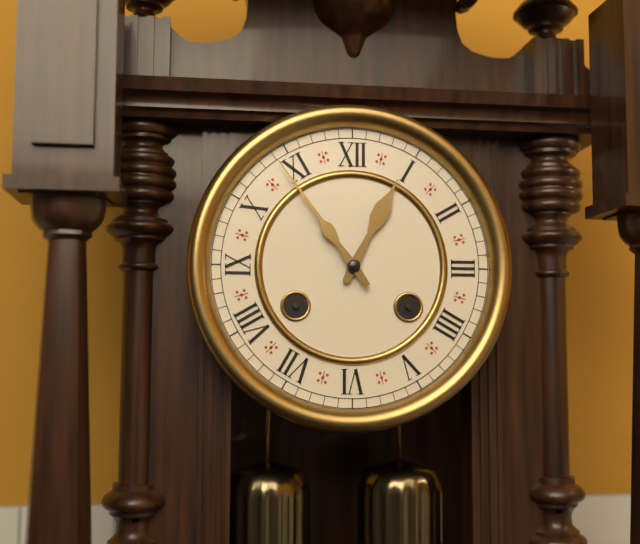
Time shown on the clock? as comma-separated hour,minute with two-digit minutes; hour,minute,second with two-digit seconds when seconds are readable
12,54
